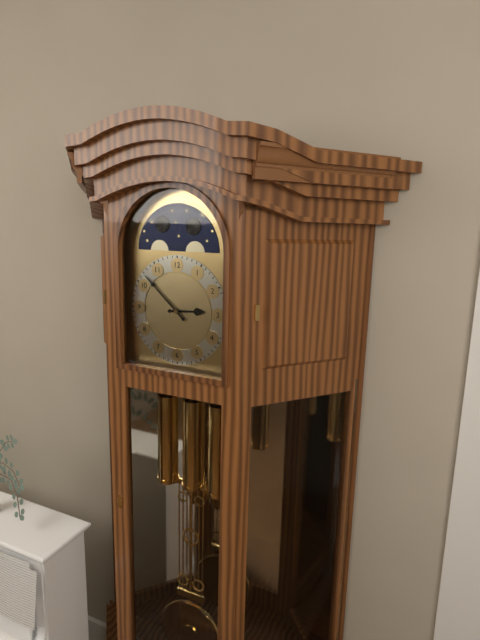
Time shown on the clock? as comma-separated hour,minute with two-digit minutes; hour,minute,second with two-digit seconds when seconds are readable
2,52
